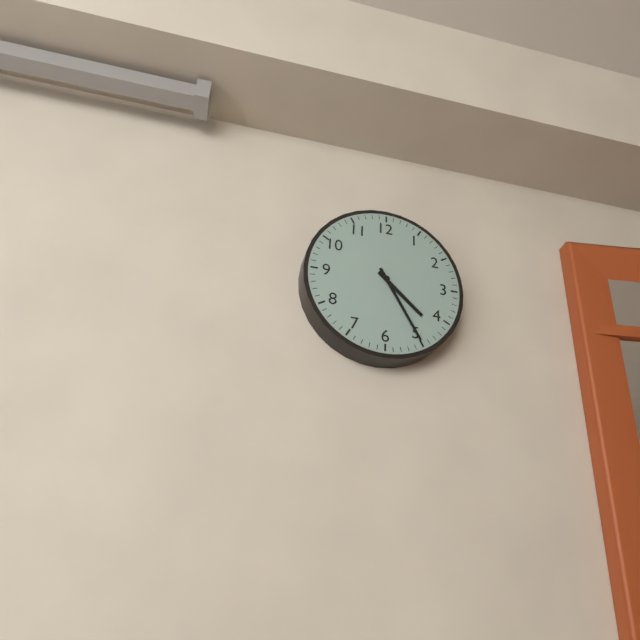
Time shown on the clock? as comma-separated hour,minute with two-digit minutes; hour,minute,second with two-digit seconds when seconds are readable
4,25
